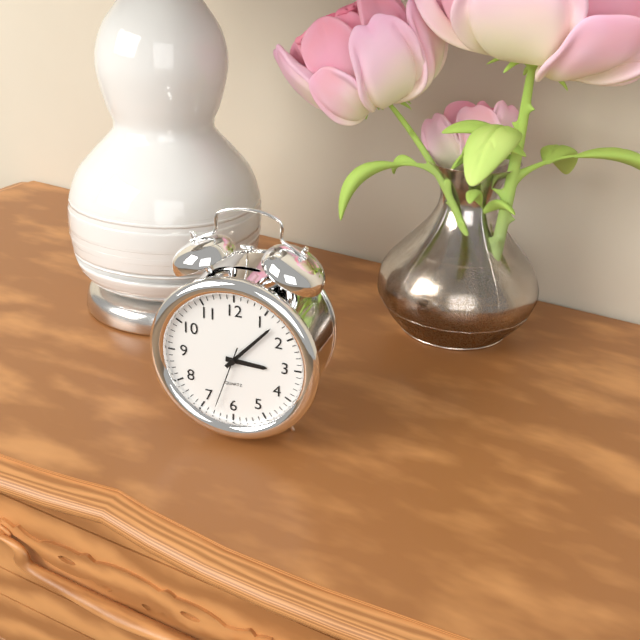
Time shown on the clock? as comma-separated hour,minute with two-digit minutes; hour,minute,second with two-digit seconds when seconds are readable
3,07,33
